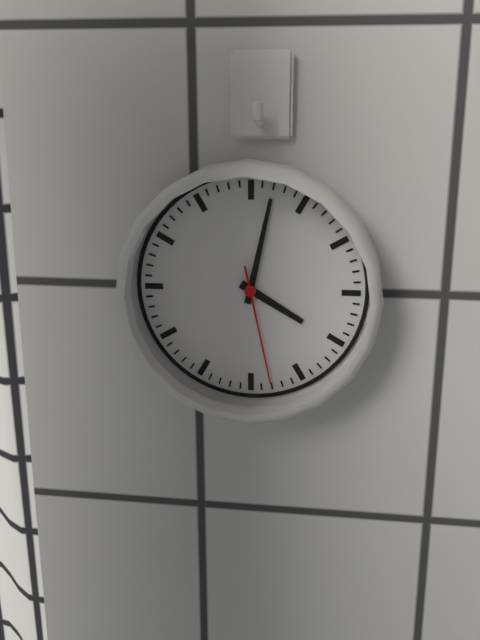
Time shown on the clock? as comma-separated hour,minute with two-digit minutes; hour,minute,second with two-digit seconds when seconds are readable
4,02,28
